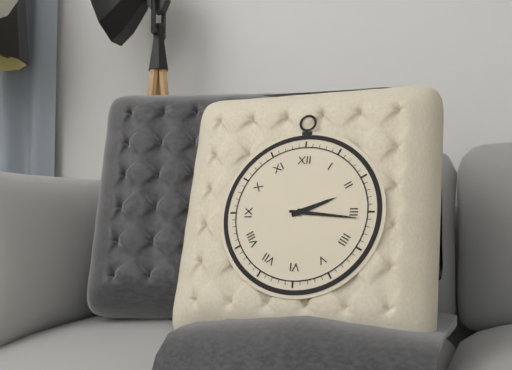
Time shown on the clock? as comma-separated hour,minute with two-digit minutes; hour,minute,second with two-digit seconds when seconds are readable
2,16
